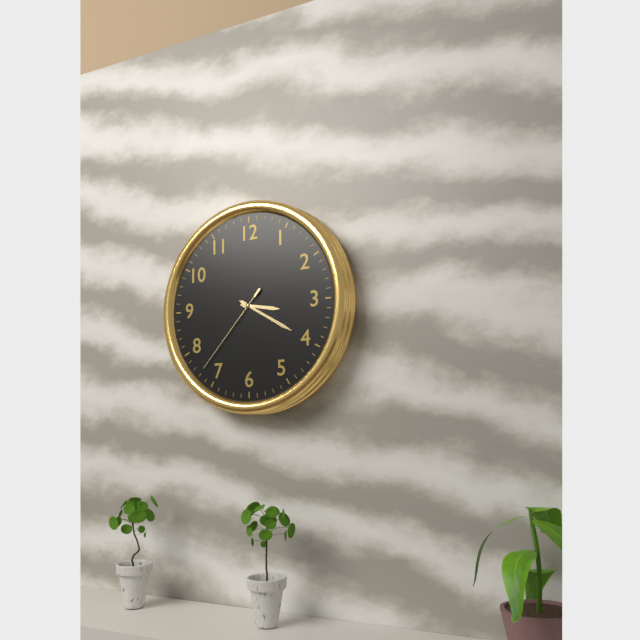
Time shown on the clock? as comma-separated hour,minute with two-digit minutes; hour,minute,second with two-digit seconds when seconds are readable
3,20,37
